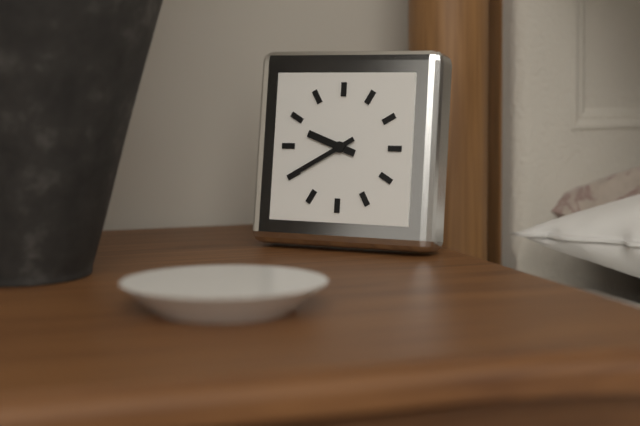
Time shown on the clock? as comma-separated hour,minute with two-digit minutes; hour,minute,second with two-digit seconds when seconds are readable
9,40
